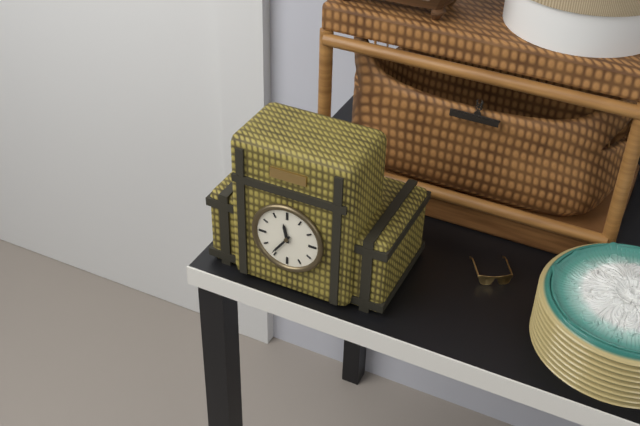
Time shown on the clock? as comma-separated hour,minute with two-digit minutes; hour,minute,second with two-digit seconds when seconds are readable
11,36
